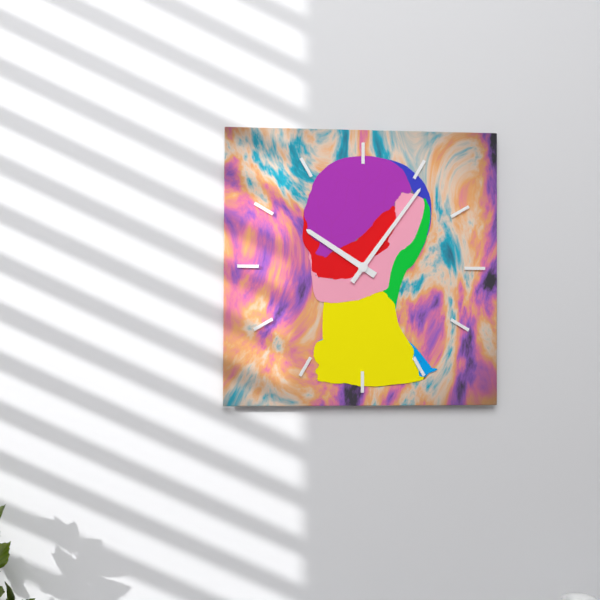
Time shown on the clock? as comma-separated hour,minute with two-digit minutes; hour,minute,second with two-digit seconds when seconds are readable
10,06
